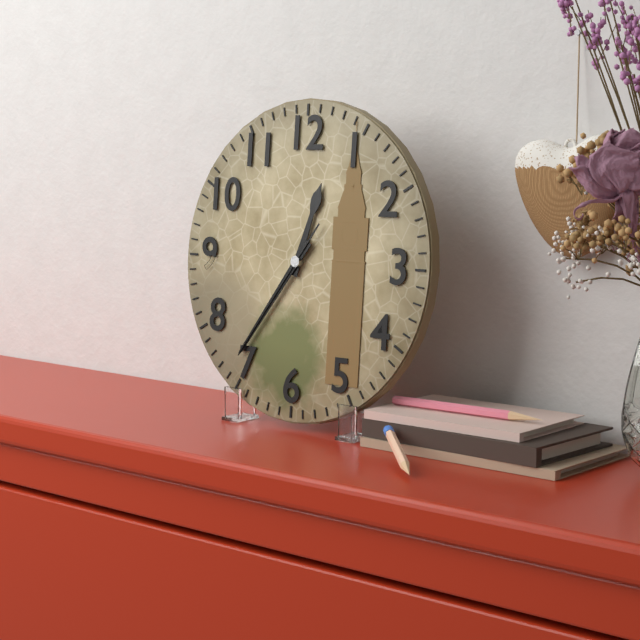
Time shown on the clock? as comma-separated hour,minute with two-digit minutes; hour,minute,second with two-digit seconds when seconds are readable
12,36,36
